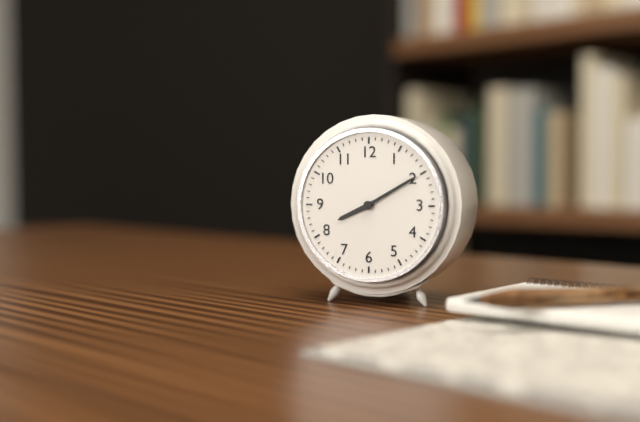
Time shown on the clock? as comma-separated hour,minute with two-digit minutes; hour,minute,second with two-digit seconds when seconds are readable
8,10
